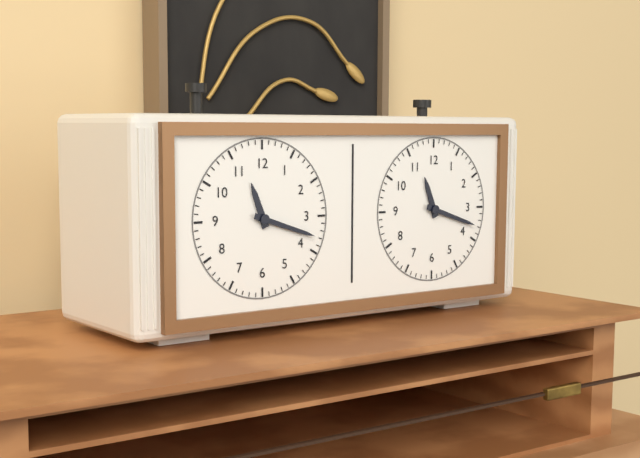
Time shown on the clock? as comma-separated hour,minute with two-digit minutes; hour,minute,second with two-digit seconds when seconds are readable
11,18
